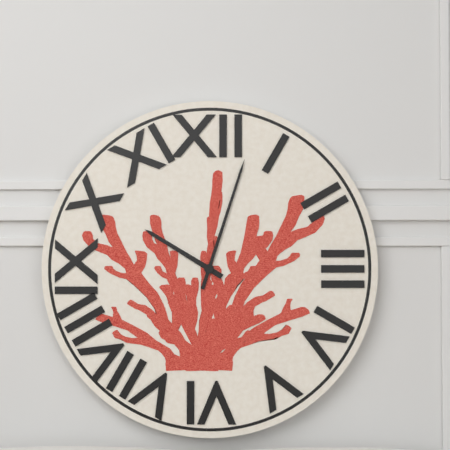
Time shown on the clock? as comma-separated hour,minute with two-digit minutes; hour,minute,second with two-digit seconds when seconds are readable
10,03
